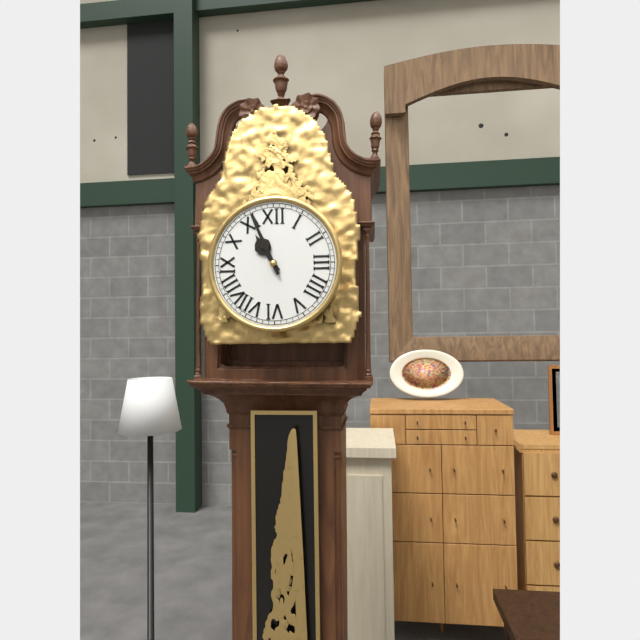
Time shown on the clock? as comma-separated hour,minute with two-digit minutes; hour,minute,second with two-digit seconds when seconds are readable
10,56
